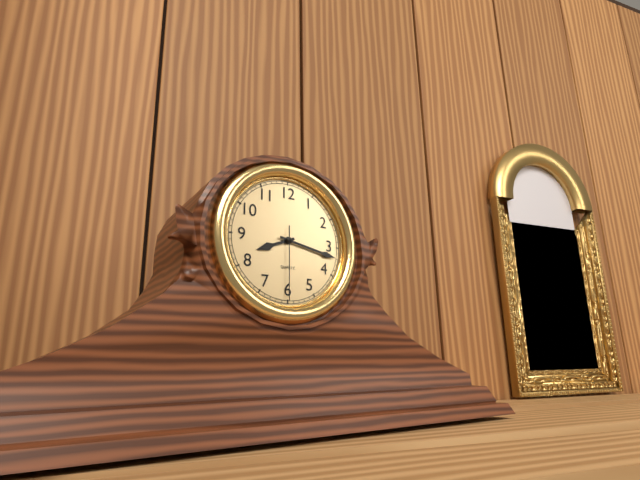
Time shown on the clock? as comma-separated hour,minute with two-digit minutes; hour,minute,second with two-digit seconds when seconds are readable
8,17,30
